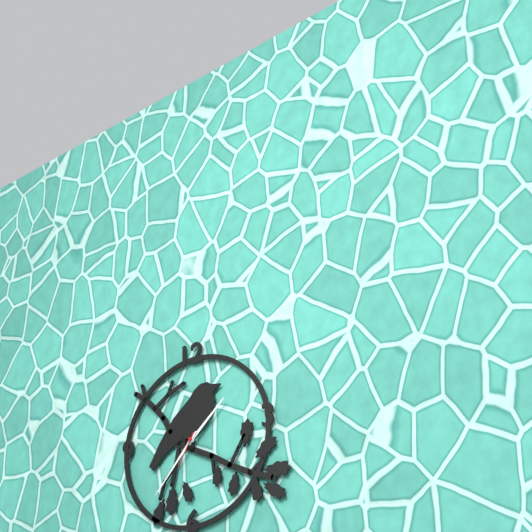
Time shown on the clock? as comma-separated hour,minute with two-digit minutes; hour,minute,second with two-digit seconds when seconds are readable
1,37
